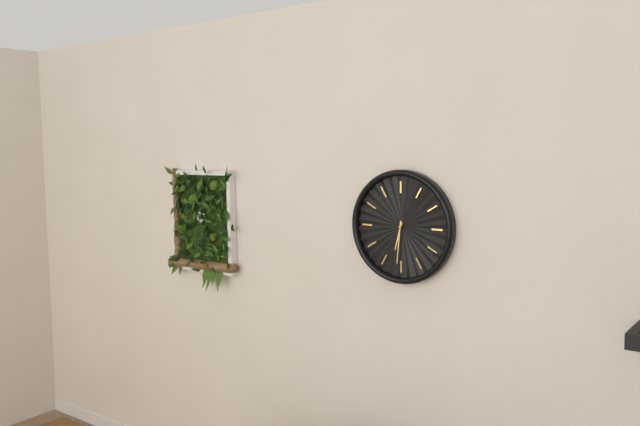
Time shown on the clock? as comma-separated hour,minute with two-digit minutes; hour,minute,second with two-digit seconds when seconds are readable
6,31
